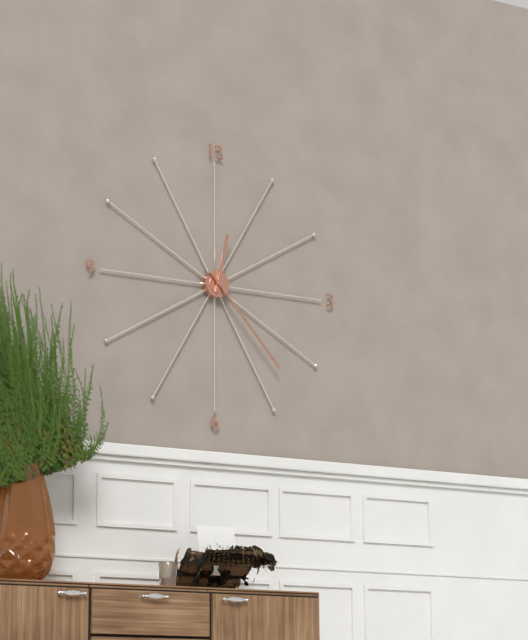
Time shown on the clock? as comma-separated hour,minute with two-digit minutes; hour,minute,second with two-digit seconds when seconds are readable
12,23
